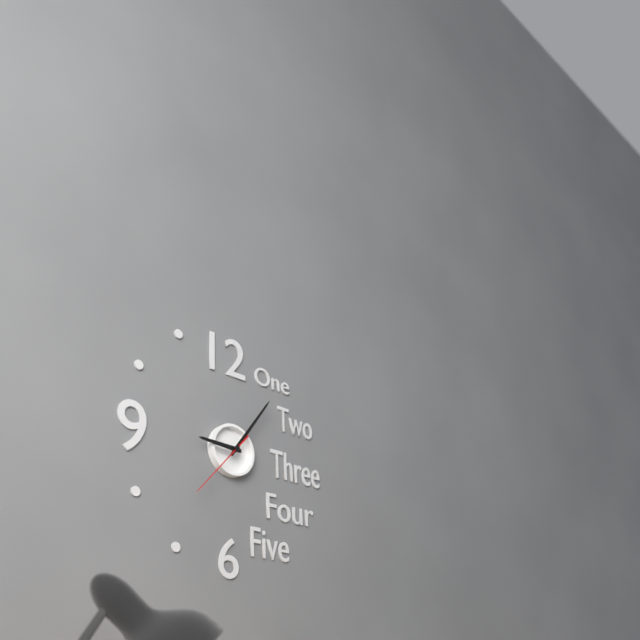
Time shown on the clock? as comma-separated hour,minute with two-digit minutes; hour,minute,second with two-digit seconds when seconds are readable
9,06,37
